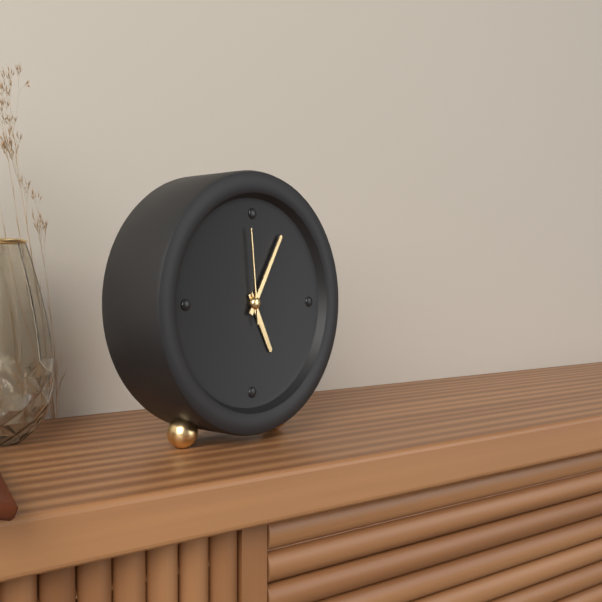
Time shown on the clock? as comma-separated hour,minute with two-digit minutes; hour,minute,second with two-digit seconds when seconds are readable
5,05,59
